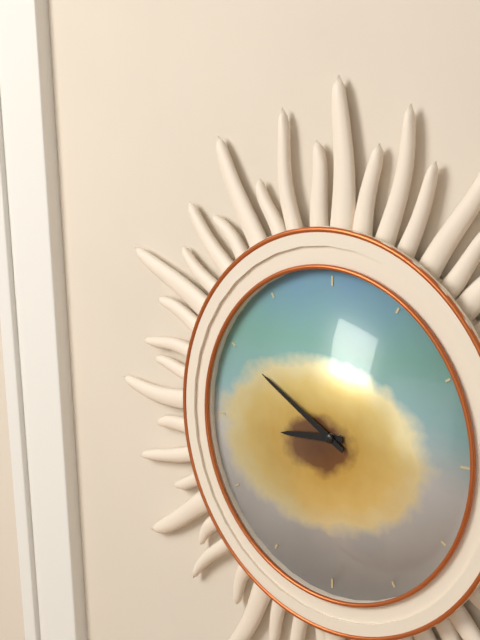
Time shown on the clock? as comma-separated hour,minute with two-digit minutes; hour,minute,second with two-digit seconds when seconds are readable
8,50
